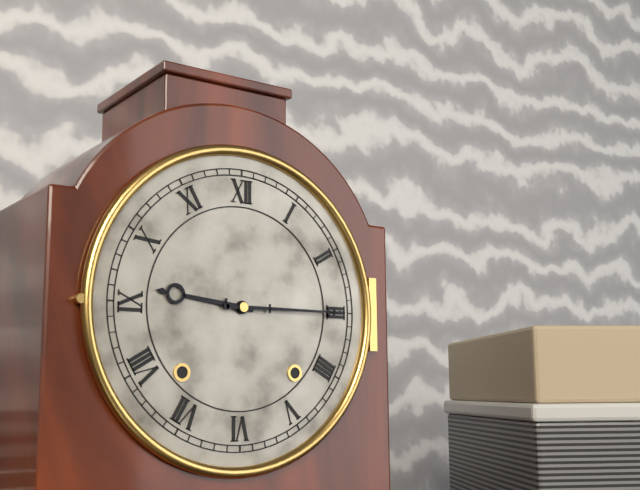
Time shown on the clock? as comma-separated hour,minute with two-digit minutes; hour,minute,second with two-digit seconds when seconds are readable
9,15
